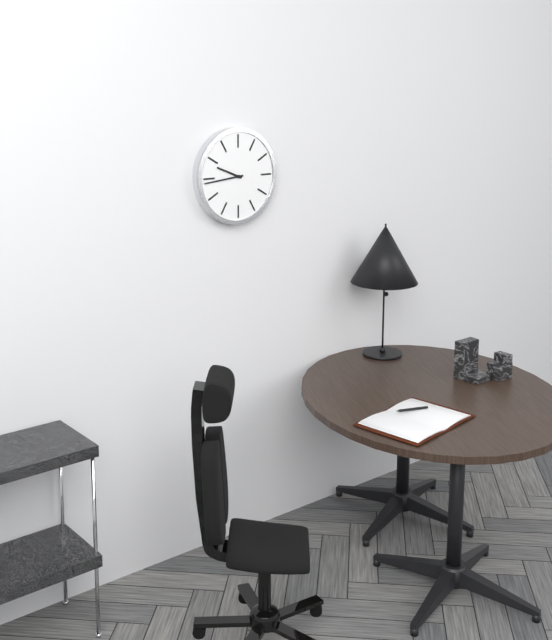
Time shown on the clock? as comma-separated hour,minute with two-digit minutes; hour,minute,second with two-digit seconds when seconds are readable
9,44
